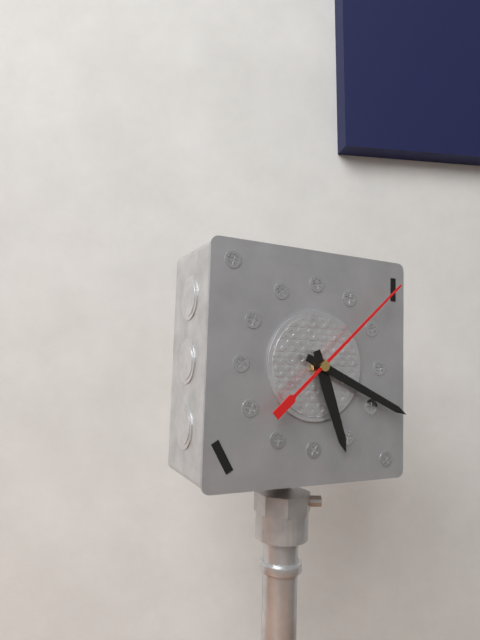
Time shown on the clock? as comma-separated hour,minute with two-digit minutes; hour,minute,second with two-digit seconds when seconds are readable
5,19,08
